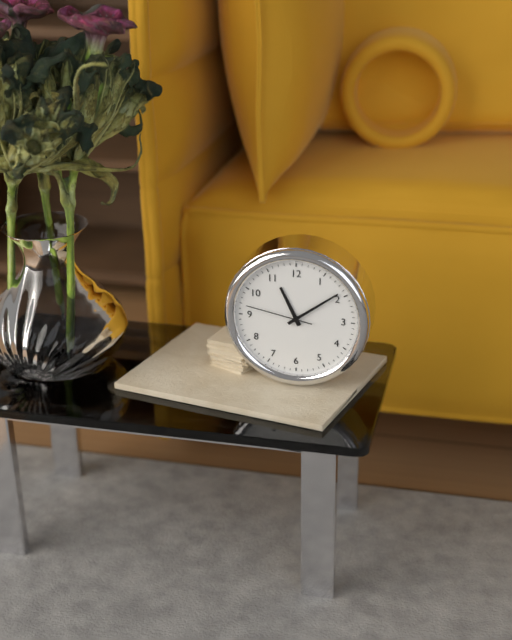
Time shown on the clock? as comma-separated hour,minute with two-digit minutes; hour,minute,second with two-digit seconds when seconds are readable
11,09,47
